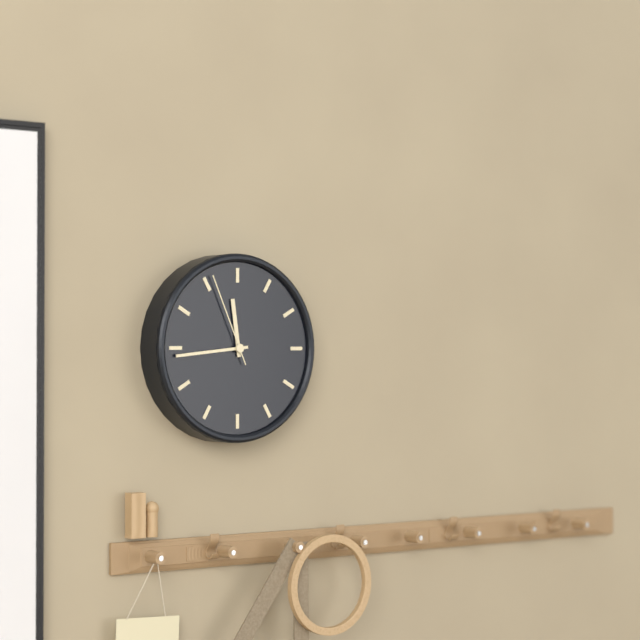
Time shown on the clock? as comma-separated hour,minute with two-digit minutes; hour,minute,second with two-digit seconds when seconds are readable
11,44,56
